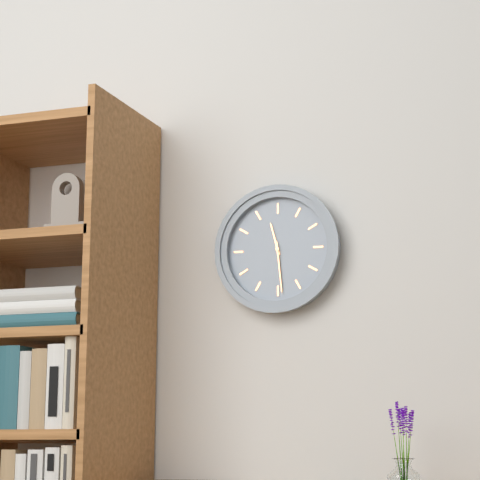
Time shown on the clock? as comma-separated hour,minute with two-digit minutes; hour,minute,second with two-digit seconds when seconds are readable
11,29
